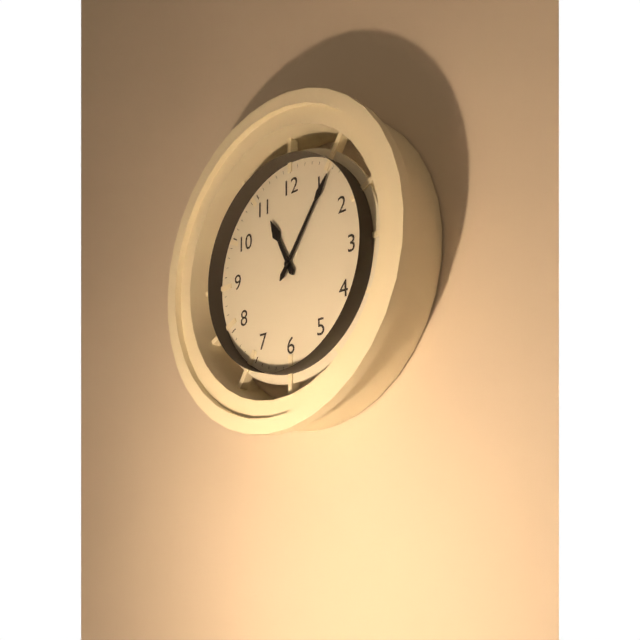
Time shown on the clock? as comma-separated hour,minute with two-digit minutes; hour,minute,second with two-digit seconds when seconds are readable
11,06
